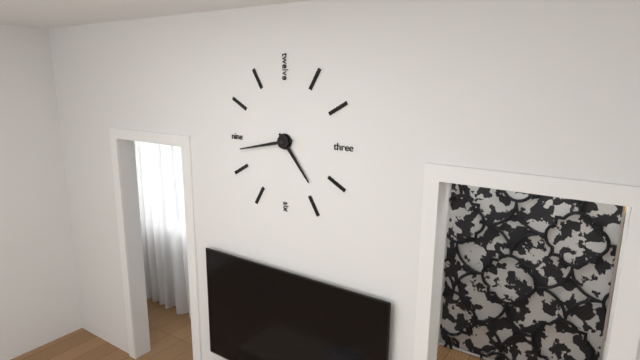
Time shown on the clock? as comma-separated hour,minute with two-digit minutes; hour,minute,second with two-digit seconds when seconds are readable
4,43
